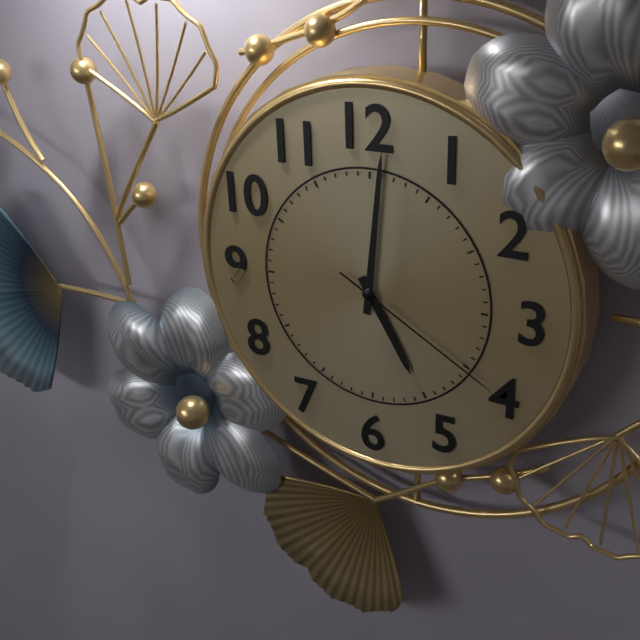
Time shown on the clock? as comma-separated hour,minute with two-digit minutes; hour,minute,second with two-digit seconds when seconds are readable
5,01,20
